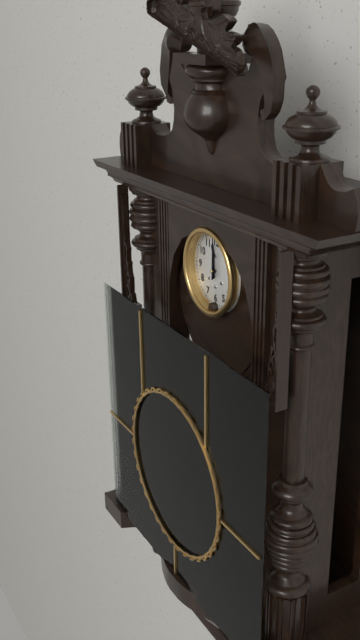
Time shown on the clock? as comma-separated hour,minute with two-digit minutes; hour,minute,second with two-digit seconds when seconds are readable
12,00
